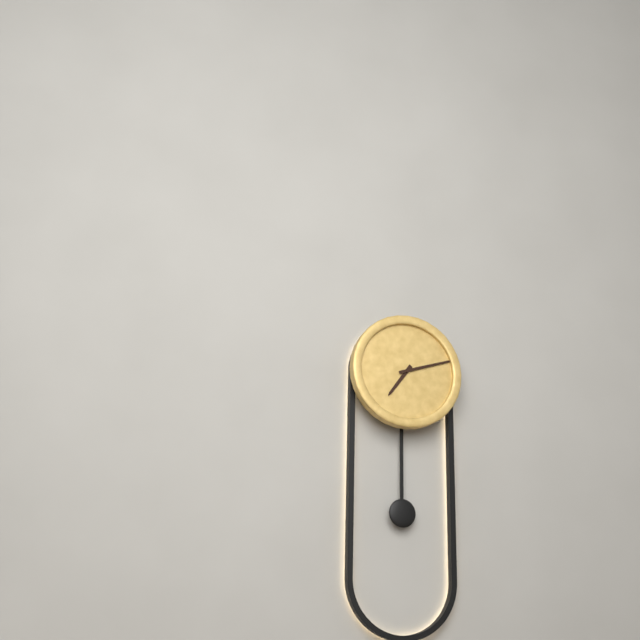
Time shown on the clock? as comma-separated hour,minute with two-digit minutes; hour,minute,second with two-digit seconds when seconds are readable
7,12
